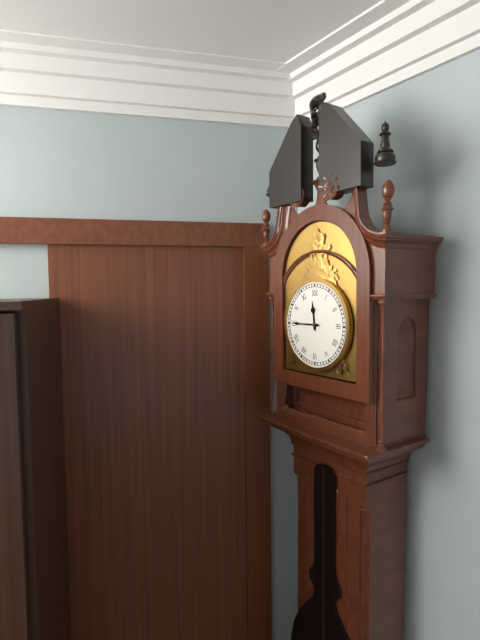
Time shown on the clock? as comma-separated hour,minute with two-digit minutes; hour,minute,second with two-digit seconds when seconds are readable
11,45
